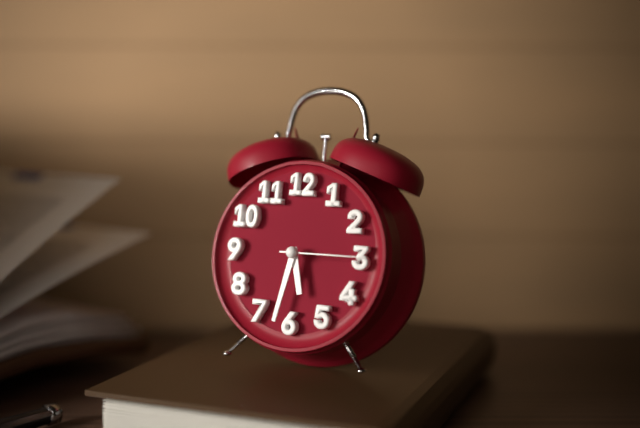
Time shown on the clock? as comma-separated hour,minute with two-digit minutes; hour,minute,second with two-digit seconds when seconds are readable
5,32,15
